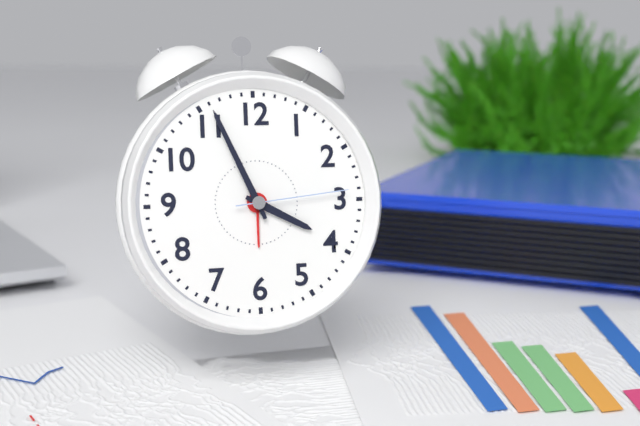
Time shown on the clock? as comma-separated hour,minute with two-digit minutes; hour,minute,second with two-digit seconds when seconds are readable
3,56,14
